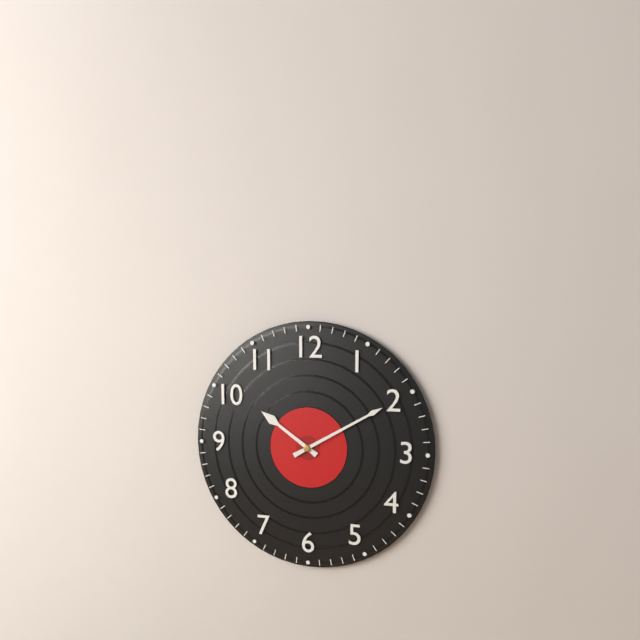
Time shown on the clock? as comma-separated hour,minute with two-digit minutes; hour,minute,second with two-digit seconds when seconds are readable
10,10
